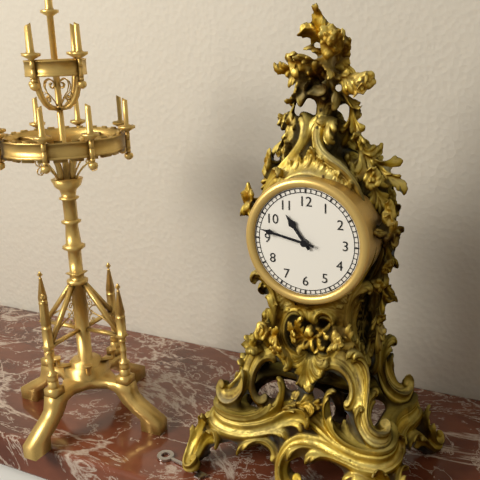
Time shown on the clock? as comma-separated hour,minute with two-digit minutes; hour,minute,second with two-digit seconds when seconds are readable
10,47
